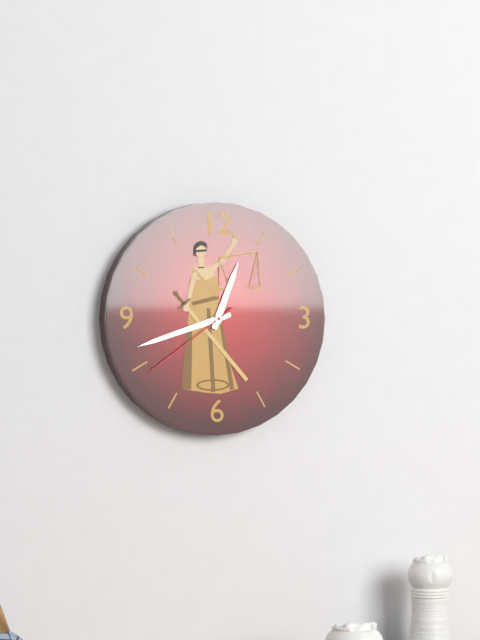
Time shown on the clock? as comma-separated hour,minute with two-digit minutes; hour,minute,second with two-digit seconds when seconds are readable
12,42,39
